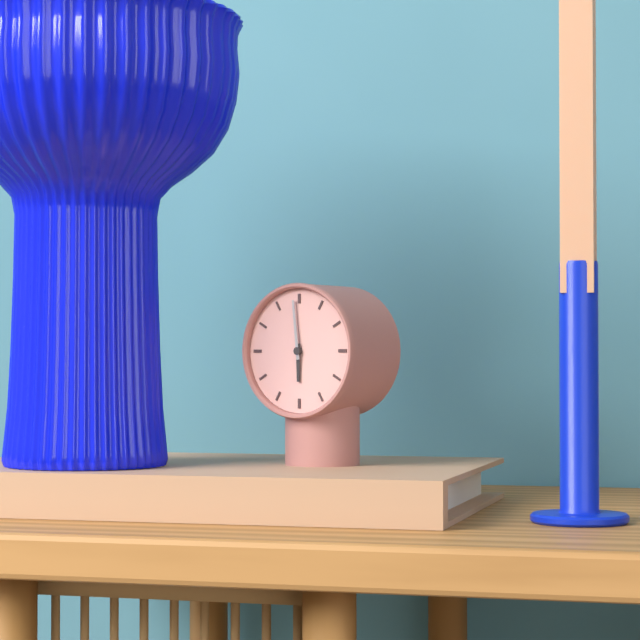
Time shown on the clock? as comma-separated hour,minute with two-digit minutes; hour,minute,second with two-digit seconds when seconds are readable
5,59
